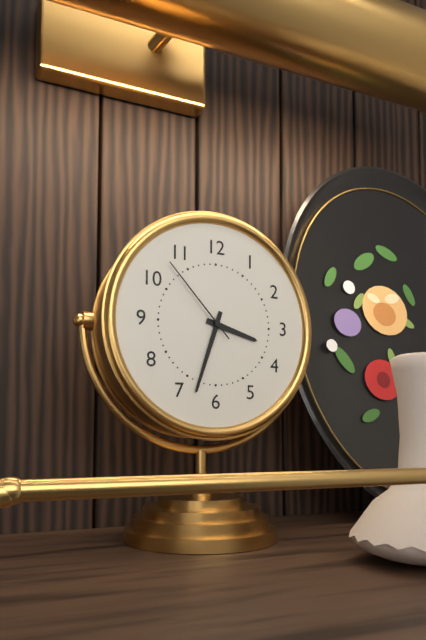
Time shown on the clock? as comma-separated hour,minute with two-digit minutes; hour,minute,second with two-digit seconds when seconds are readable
3,33,53
